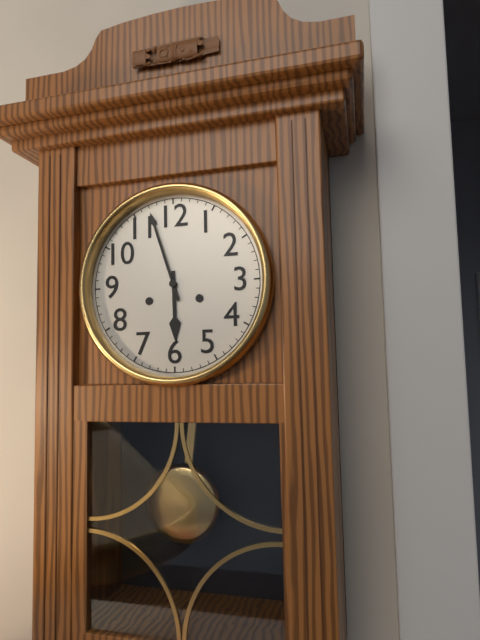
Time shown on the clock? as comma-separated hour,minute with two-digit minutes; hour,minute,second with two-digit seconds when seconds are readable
5,57
